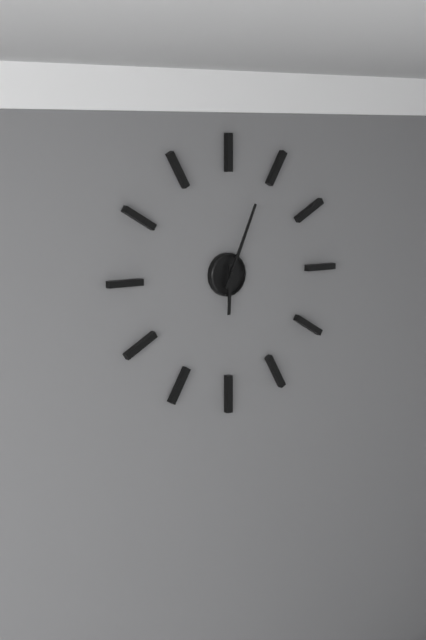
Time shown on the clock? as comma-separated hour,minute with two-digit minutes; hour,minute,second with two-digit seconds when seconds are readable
6,04
